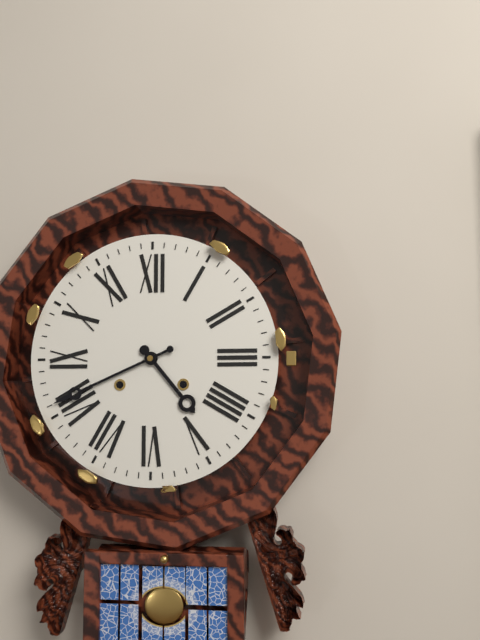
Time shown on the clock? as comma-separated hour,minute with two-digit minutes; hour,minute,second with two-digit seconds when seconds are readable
4,41
